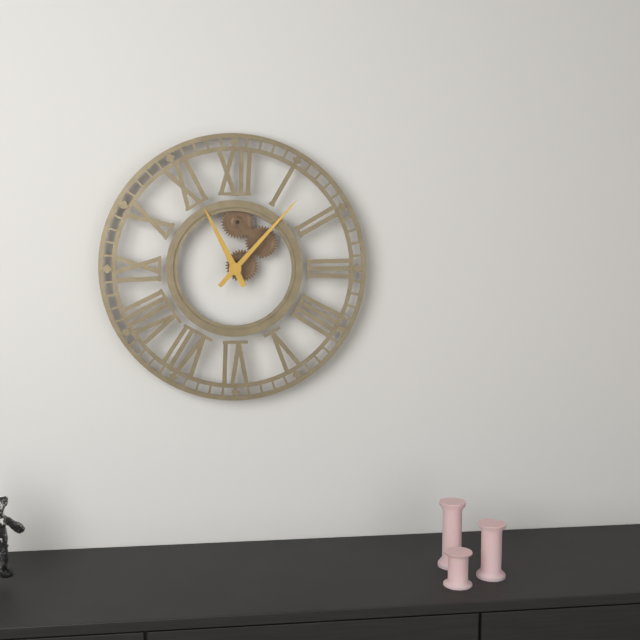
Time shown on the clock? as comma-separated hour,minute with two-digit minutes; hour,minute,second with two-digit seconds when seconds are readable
11,07
